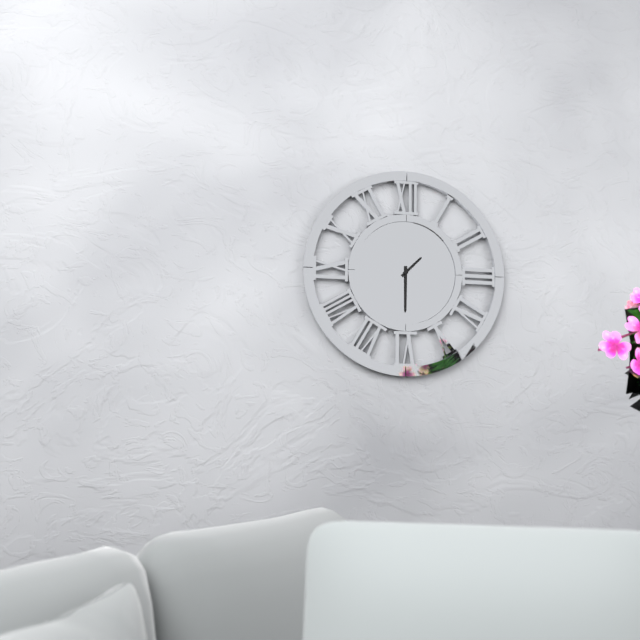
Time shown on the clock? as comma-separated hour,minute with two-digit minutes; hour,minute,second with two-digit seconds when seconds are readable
1,30
